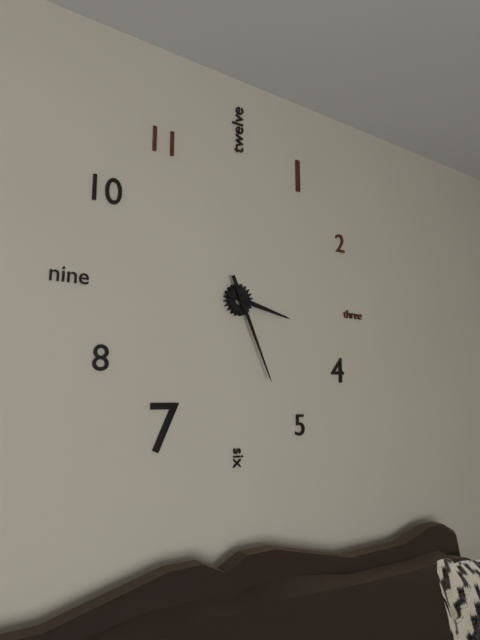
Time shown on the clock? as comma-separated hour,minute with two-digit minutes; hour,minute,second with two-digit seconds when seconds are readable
3,26
